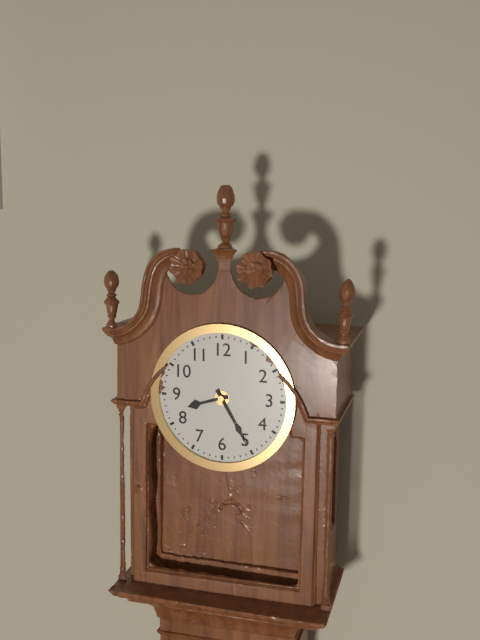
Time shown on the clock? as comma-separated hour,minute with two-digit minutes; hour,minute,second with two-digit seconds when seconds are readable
8,25
